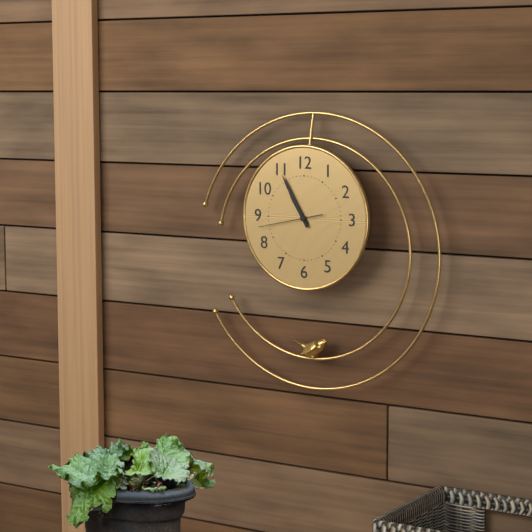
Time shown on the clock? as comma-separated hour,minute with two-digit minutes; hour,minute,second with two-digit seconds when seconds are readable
10,55,43
